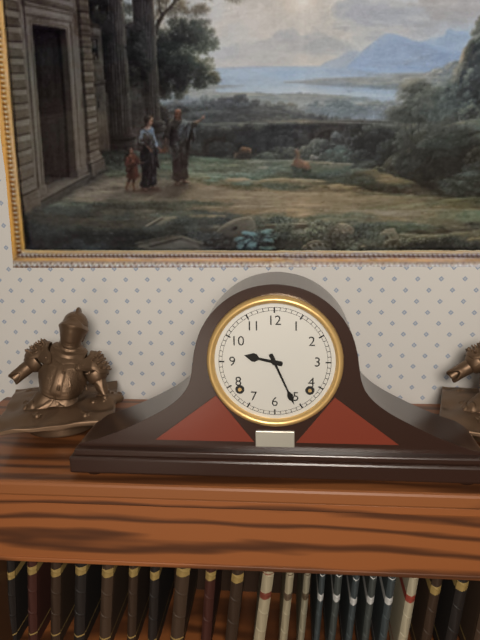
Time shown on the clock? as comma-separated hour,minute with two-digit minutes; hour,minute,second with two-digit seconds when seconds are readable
9,26
